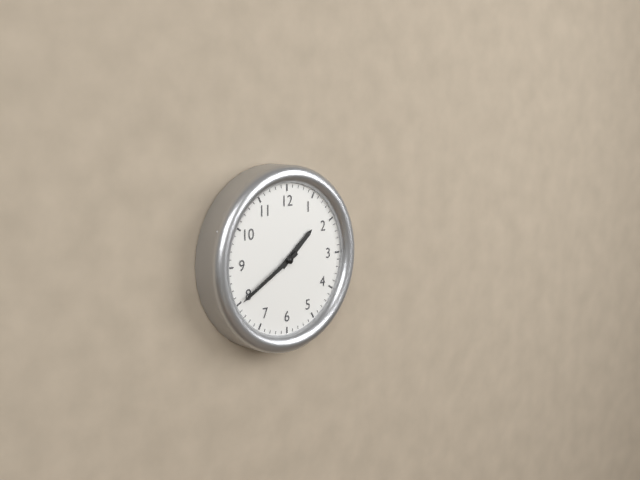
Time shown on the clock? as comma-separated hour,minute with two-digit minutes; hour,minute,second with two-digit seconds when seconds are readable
1,40
